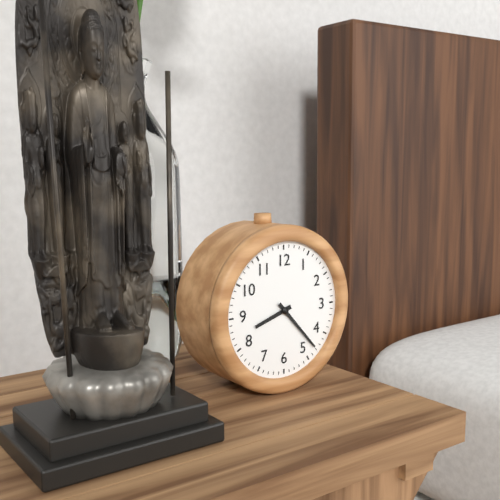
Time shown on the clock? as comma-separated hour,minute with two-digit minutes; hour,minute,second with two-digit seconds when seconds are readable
8,23
